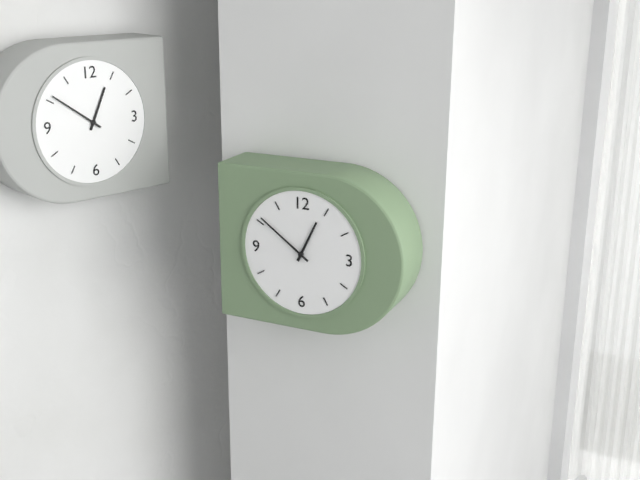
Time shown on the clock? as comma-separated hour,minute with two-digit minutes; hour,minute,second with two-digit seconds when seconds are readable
12,51
